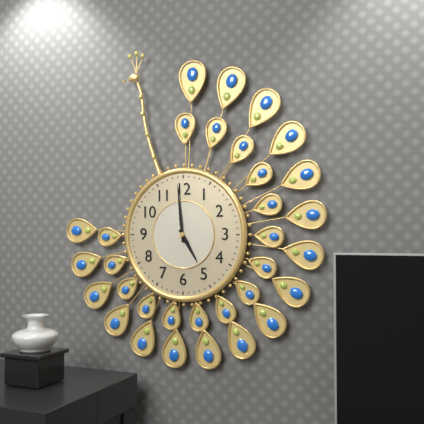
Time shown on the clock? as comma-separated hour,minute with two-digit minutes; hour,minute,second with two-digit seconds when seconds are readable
4,59
